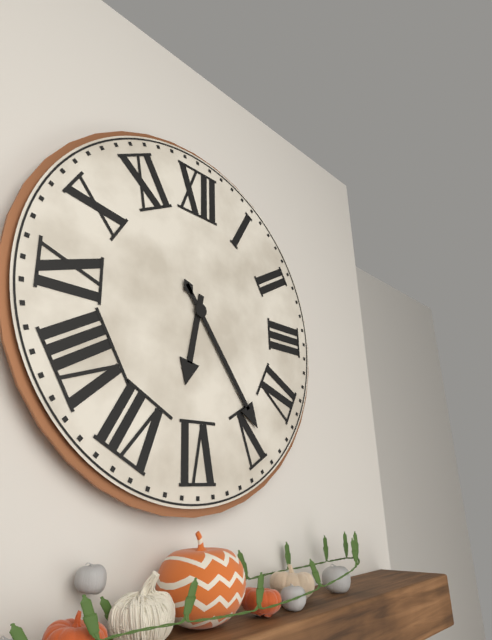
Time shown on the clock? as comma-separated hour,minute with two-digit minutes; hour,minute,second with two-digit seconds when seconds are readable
6,24
